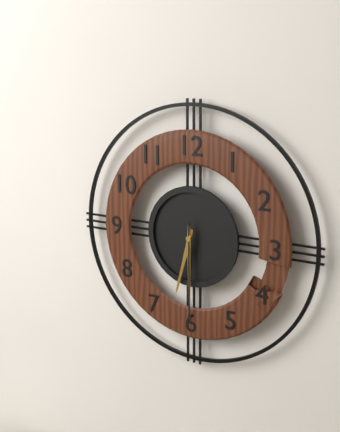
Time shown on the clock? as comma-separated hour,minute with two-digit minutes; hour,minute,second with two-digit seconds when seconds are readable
6,30,30
